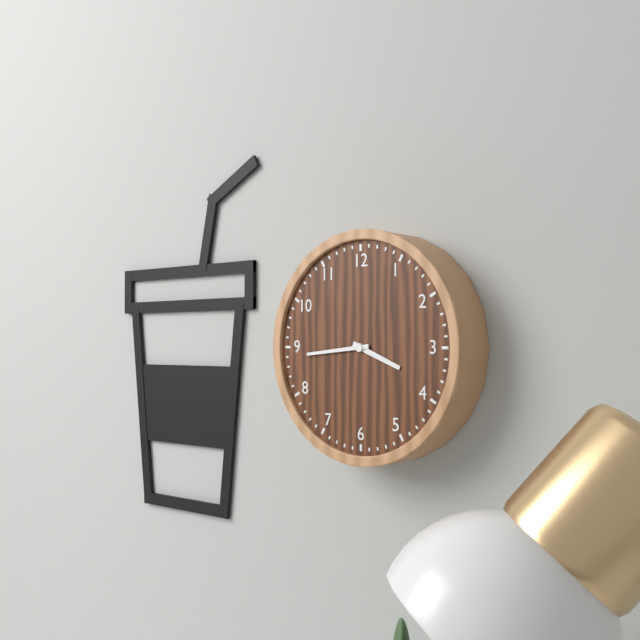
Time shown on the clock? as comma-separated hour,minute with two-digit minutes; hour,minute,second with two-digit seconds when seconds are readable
3,44
